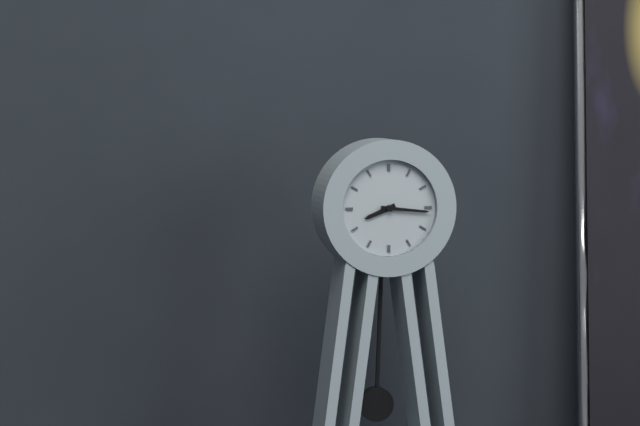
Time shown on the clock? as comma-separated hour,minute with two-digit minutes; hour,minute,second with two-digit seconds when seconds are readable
8,16
